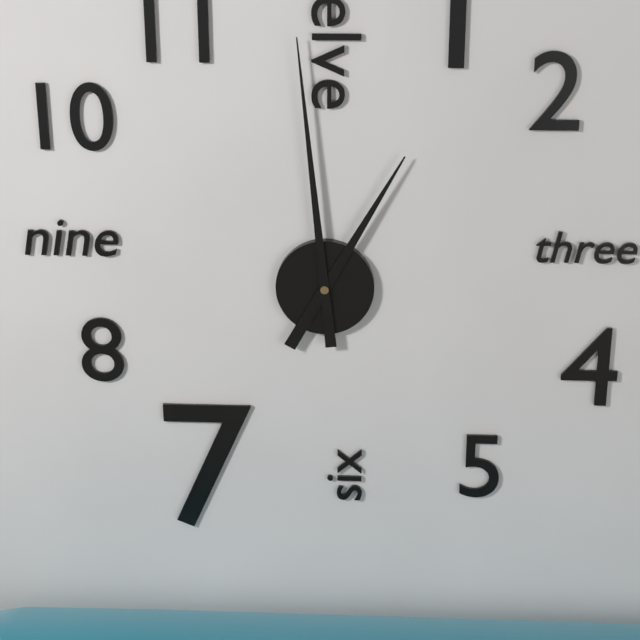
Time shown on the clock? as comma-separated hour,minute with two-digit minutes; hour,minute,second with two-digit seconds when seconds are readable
12,59
